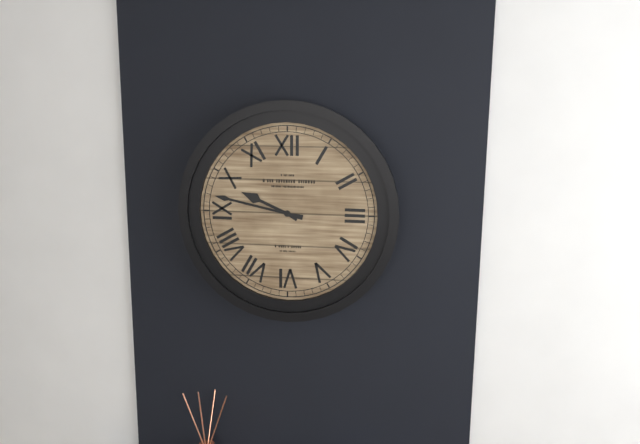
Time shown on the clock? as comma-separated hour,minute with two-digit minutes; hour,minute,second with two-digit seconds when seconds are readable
9,47
